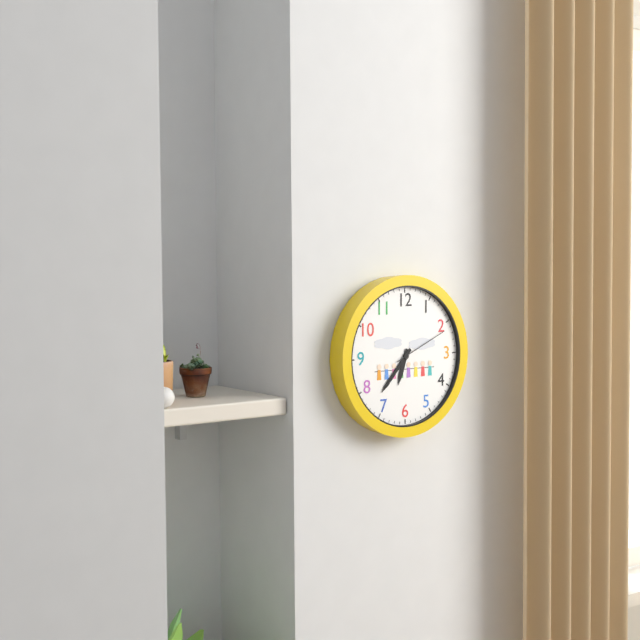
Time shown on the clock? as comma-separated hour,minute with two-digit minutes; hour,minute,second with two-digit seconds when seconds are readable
6,37,11
